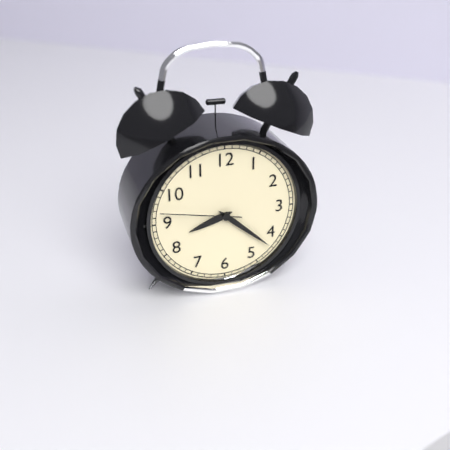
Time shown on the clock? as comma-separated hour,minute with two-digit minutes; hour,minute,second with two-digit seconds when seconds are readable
8,22,47
